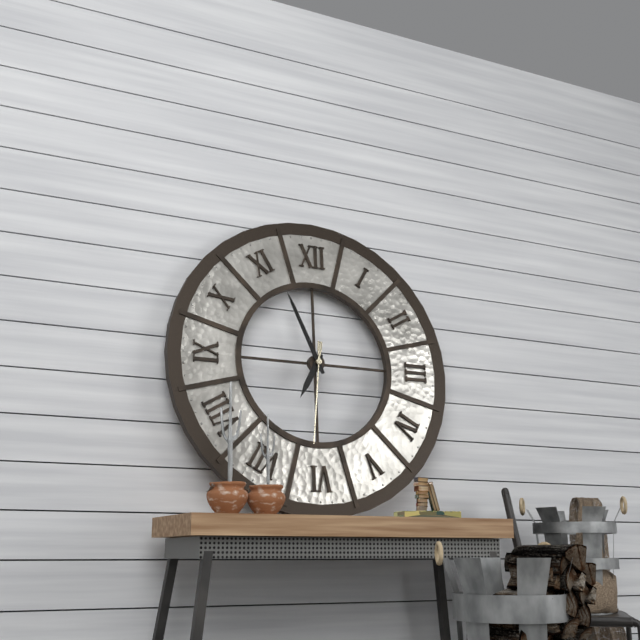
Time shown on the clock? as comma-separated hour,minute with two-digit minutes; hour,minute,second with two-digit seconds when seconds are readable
6,56,31
